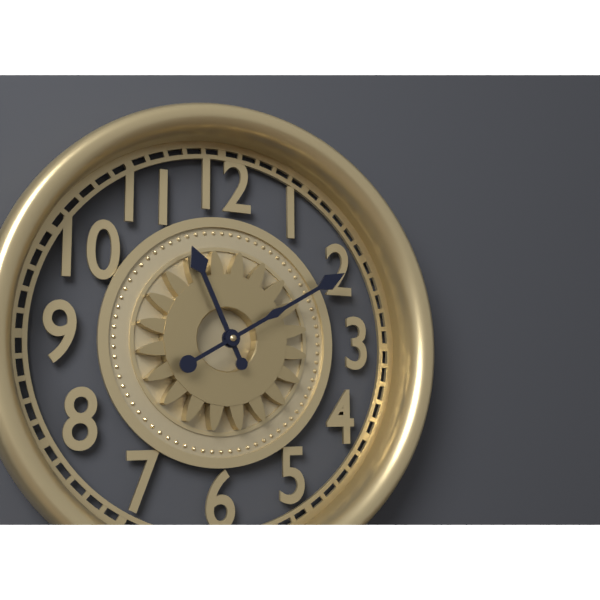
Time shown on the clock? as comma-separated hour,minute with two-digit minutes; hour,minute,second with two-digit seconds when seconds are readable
11,10
